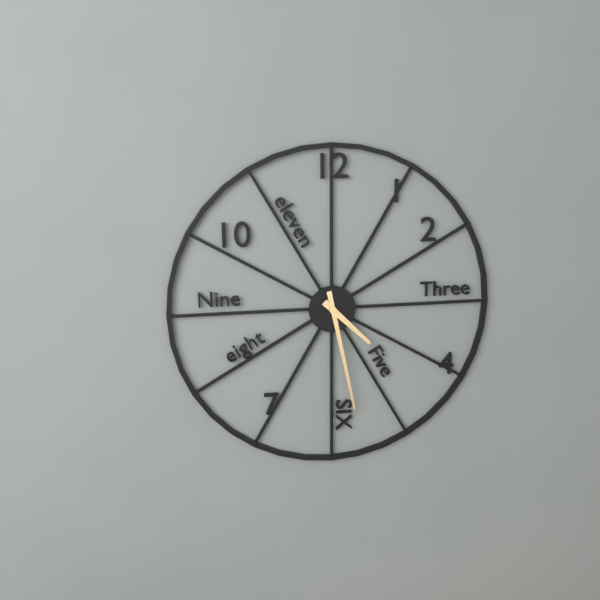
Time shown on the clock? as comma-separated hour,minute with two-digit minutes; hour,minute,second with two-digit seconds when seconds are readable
4,28
